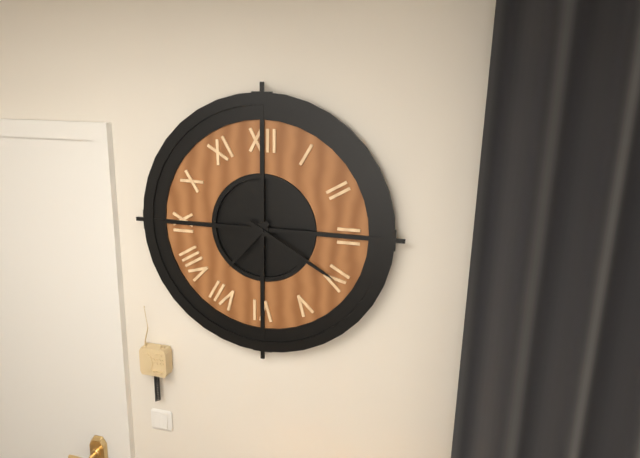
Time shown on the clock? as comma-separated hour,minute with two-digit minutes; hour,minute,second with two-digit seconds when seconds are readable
7,20
